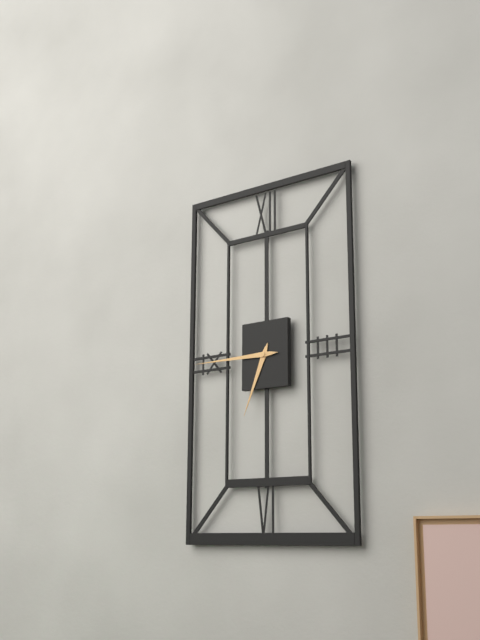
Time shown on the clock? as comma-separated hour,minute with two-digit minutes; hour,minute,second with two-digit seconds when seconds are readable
6,45
